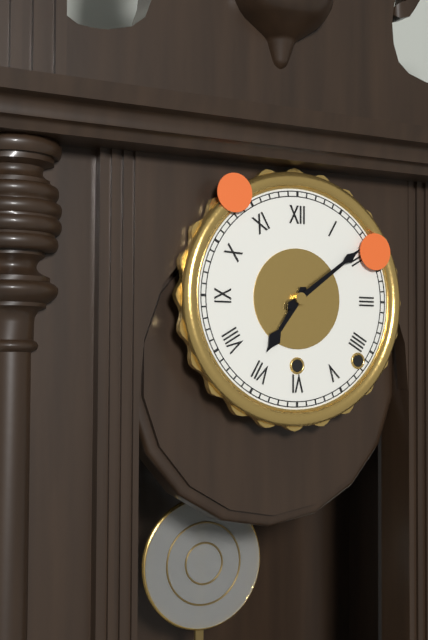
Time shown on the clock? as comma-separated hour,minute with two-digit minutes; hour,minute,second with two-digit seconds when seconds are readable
7,09
